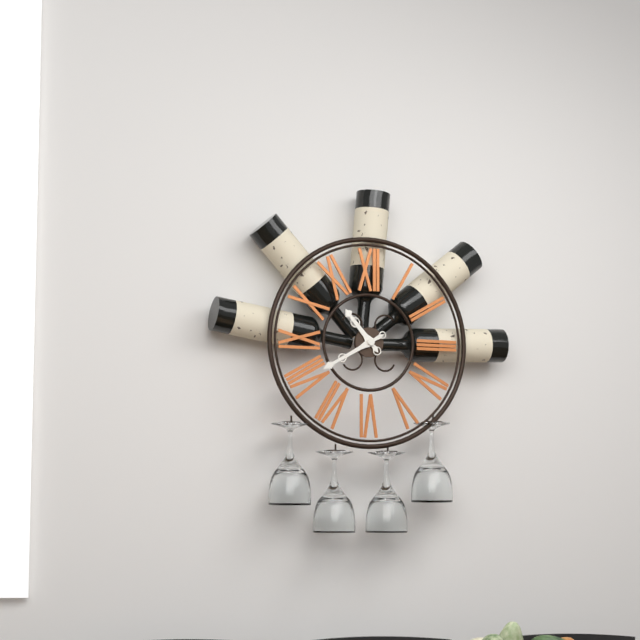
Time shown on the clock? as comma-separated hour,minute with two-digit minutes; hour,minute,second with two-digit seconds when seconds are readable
10,40
